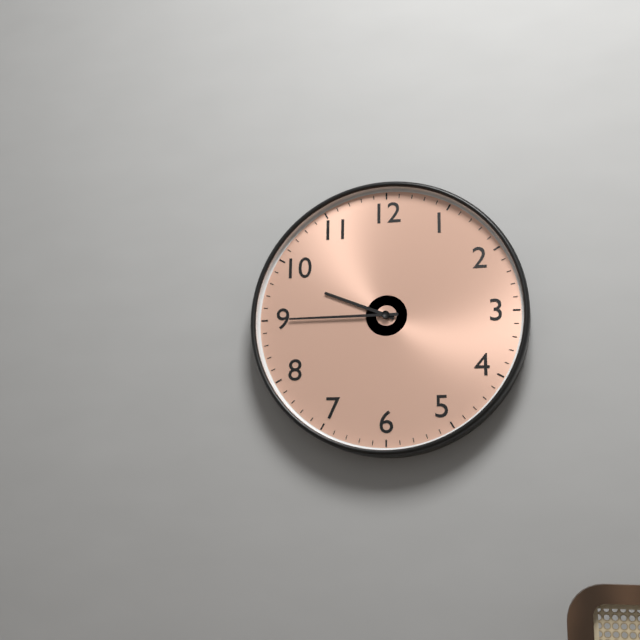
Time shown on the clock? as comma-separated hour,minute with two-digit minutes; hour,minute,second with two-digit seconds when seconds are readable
9,45
